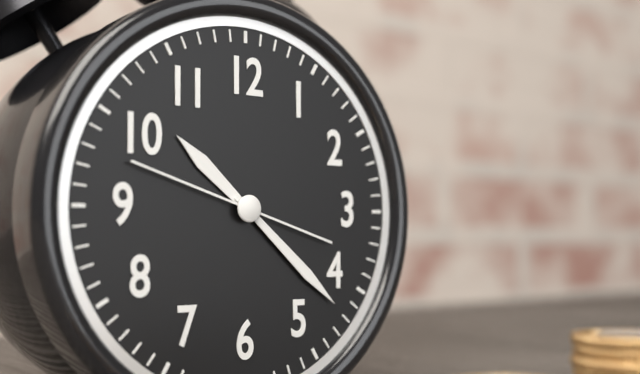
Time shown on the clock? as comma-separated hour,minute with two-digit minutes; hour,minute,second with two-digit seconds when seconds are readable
10,22,48
